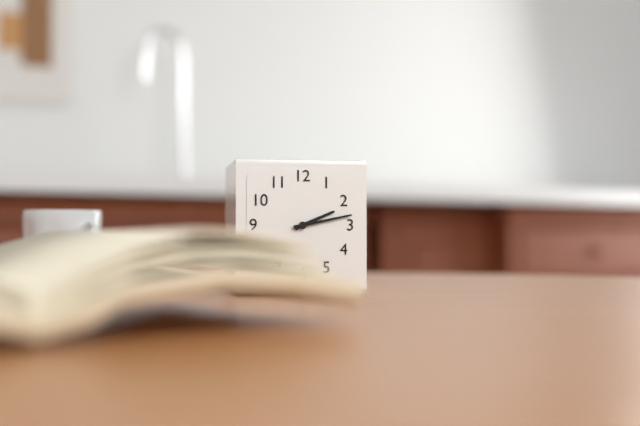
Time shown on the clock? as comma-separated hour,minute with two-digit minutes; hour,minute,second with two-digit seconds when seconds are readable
2,13
